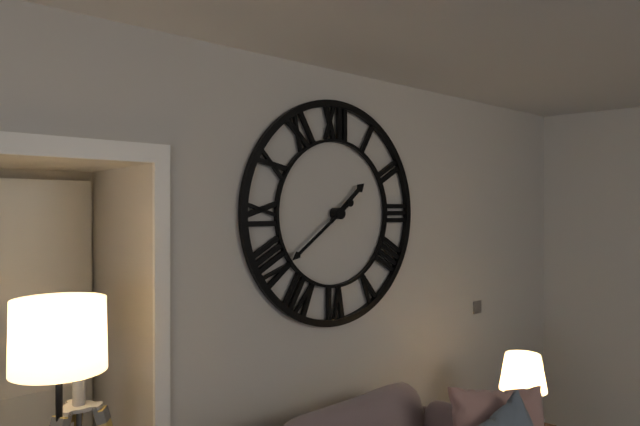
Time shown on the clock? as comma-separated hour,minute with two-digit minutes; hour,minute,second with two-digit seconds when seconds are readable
1,39
